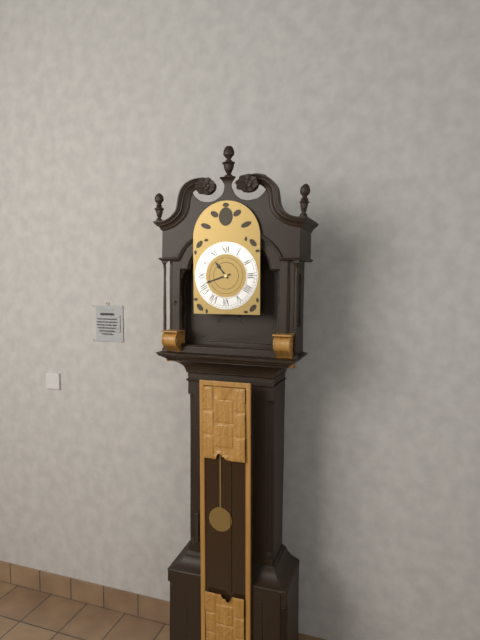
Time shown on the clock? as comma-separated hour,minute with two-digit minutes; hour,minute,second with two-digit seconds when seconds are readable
10,42
